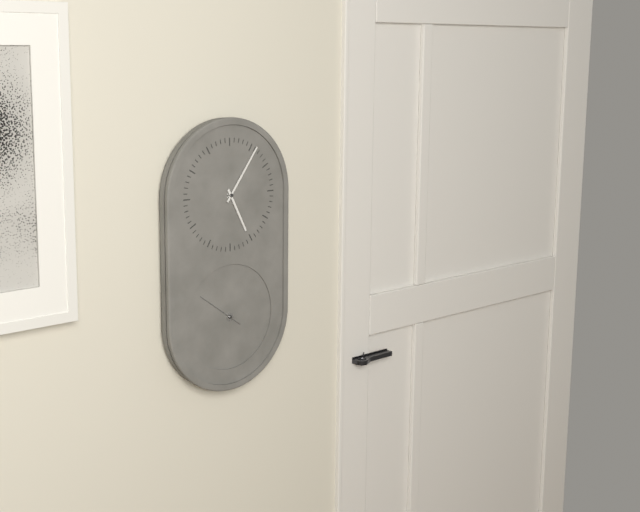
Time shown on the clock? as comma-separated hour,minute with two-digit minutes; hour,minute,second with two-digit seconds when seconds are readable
5,06
